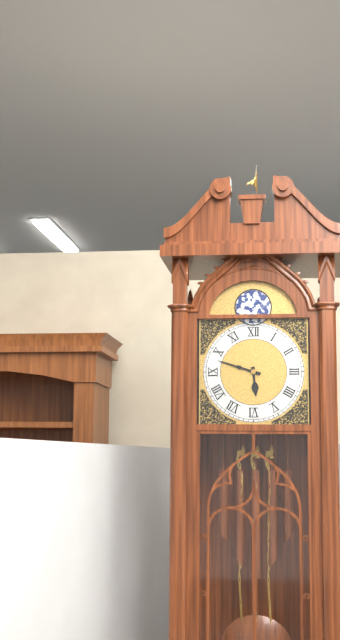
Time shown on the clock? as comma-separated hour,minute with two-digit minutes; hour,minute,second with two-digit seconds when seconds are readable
5,48
